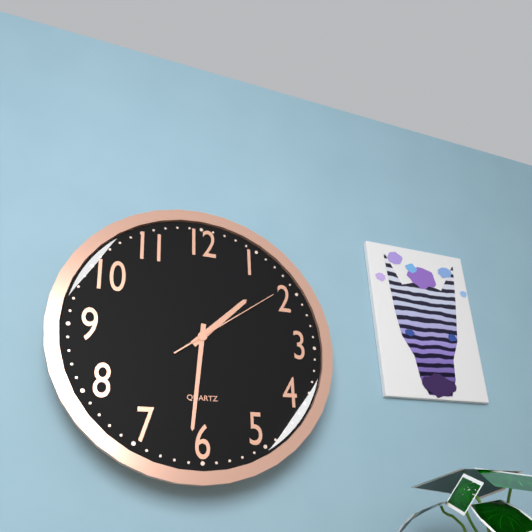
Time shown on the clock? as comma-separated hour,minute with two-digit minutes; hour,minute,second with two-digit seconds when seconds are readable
1,31,09
